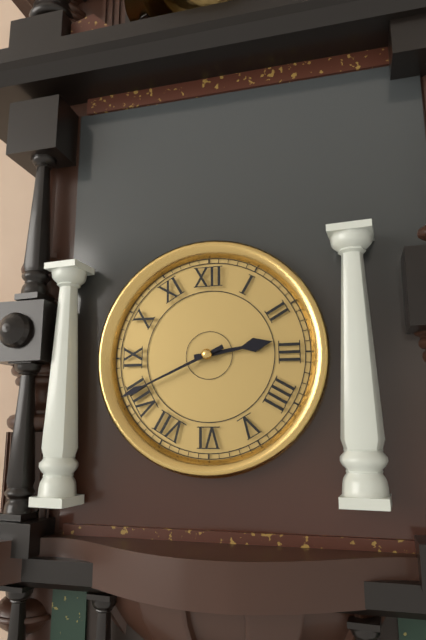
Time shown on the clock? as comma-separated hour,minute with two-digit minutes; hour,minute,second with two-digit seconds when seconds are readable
2,41
